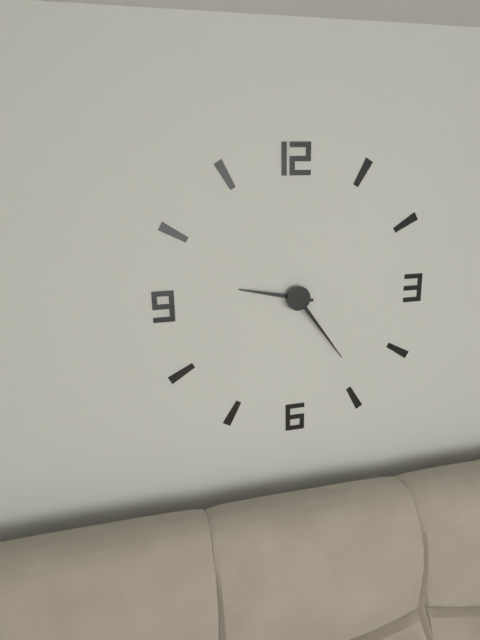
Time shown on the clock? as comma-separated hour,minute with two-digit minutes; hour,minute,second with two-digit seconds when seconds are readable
9,24
